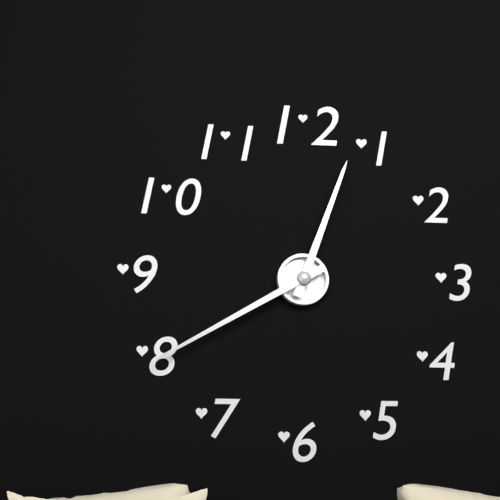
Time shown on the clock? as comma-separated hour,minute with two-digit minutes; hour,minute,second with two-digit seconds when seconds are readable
12,40
